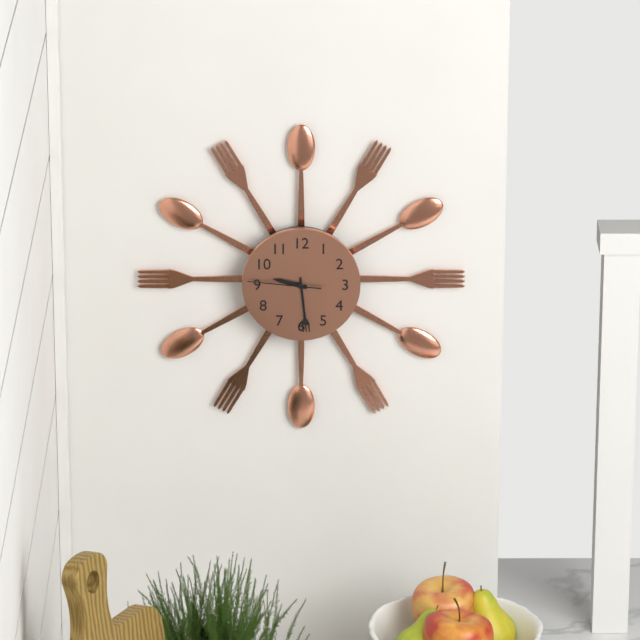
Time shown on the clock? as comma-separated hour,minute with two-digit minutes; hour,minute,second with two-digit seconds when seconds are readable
9,29,46
